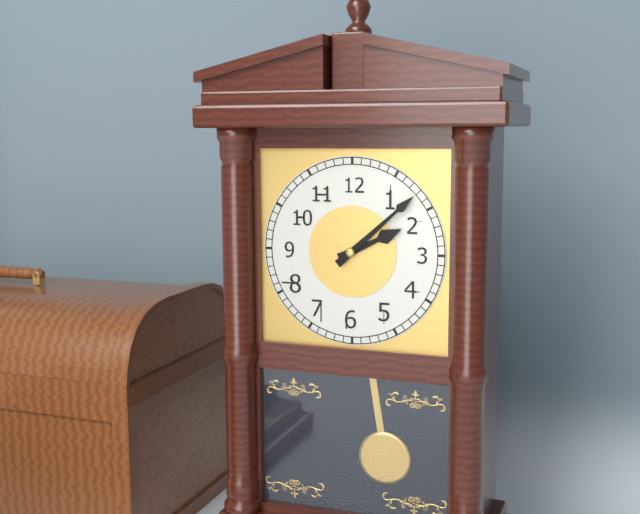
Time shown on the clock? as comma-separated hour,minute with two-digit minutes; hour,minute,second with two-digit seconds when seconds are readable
2,08
